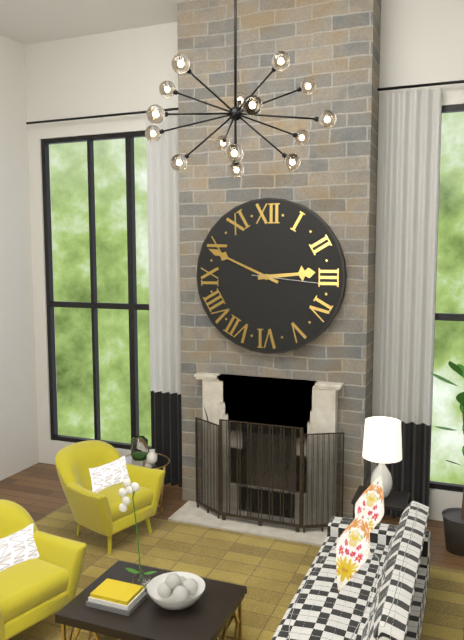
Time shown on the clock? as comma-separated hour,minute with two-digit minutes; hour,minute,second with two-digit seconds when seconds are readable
2,49,16
